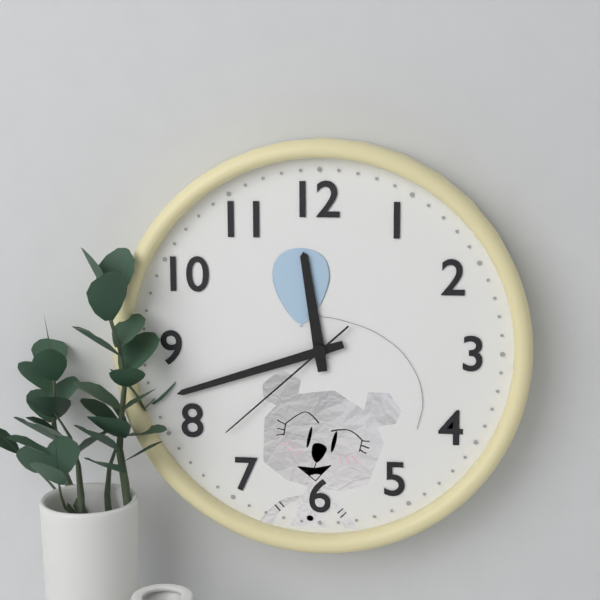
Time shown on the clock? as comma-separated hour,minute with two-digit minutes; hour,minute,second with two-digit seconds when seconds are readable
11,42,38
